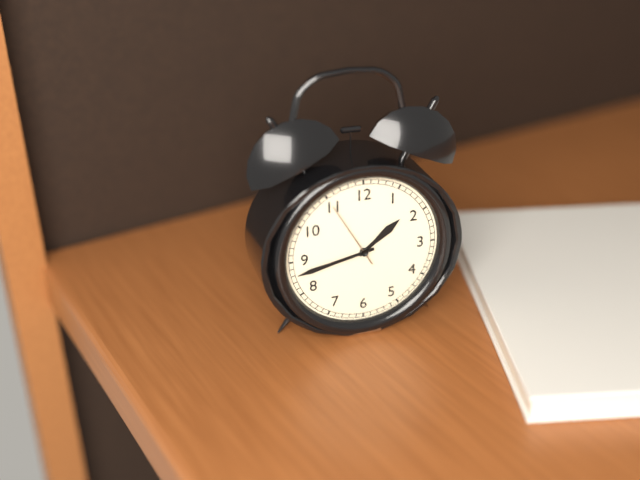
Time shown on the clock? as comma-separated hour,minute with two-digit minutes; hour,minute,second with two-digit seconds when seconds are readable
1,43,55
